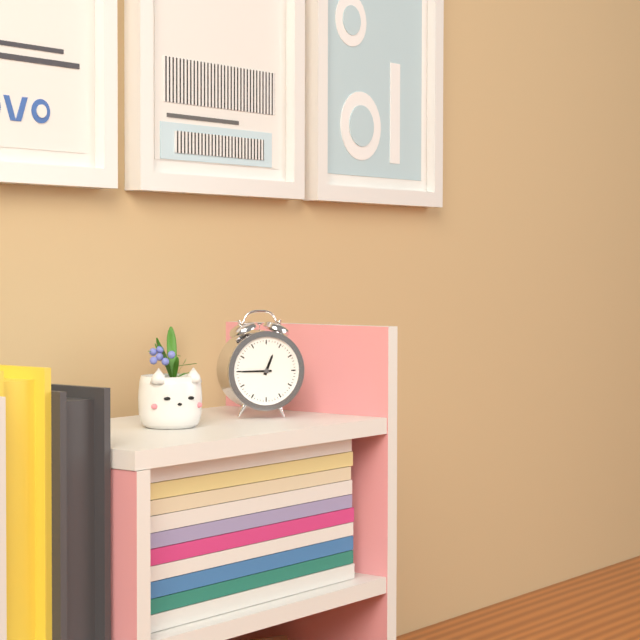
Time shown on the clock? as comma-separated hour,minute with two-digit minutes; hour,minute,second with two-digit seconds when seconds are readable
12,45
